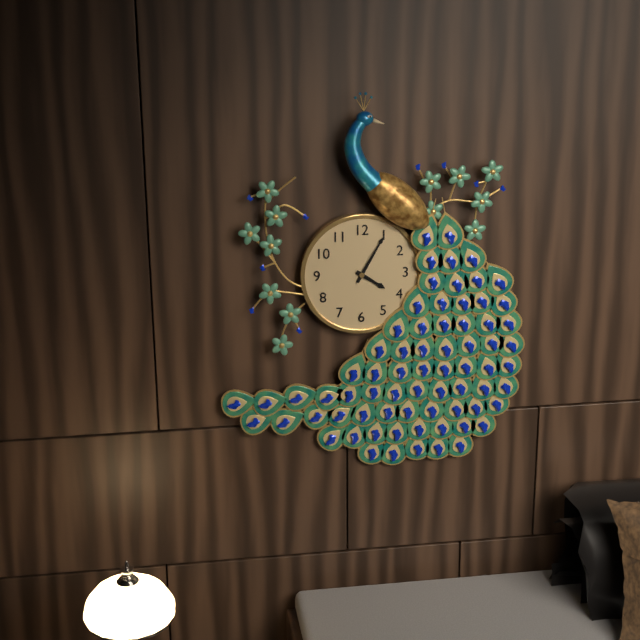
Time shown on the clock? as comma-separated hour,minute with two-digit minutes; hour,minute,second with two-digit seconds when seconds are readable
4,05
